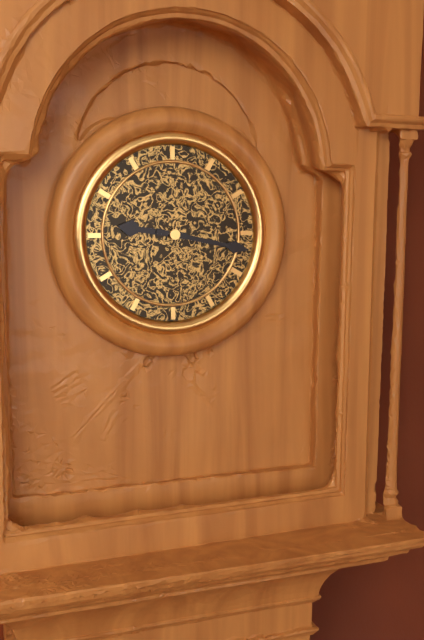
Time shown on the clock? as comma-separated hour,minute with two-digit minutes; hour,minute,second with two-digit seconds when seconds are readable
9,17
